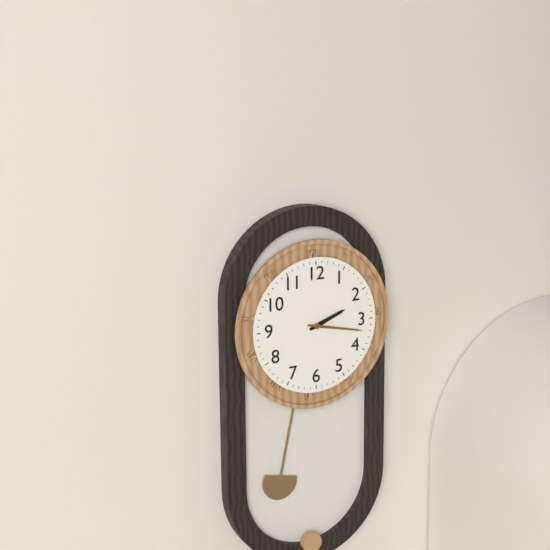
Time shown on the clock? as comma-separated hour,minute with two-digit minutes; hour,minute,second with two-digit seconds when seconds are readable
2,17
